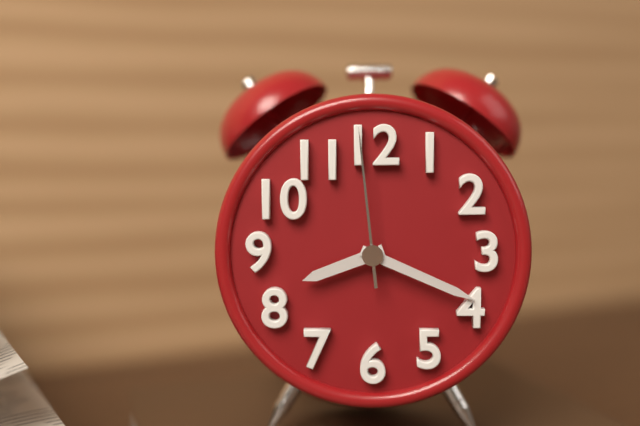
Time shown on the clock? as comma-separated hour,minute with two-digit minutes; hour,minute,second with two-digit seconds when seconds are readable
8,19,59
